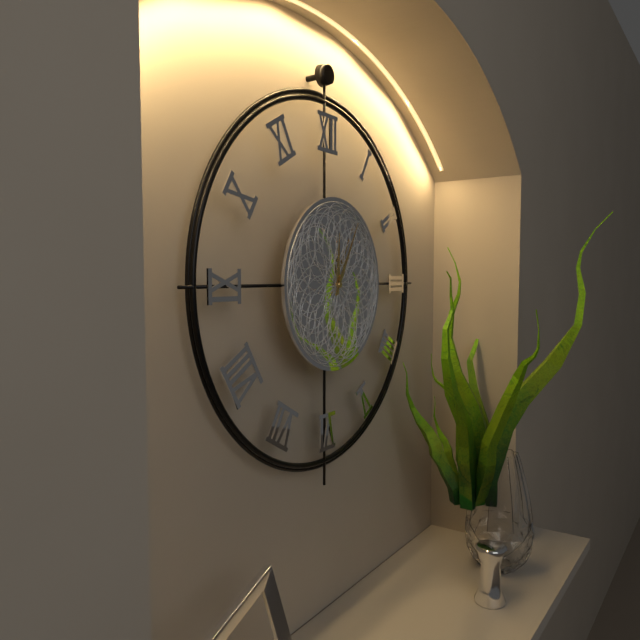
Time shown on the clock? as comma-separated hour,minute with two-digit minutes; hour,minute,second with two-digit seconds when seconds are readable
12,05
